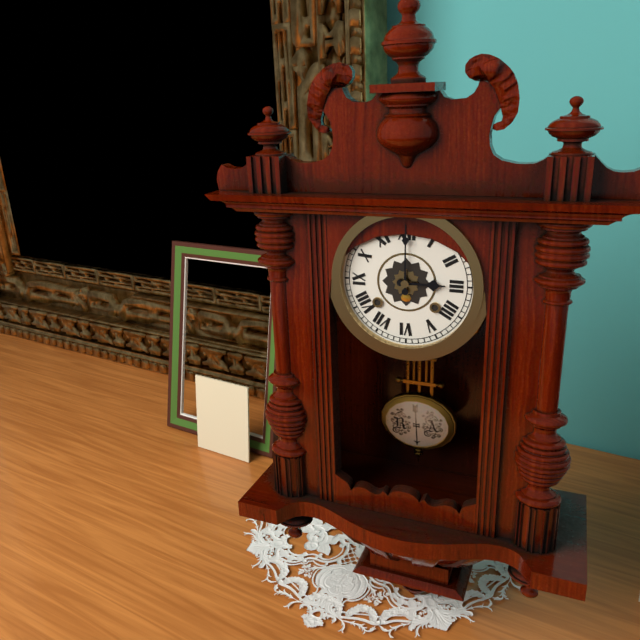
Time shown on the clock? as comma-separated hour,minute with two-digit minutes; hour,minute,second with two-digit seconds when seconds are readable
3,00
